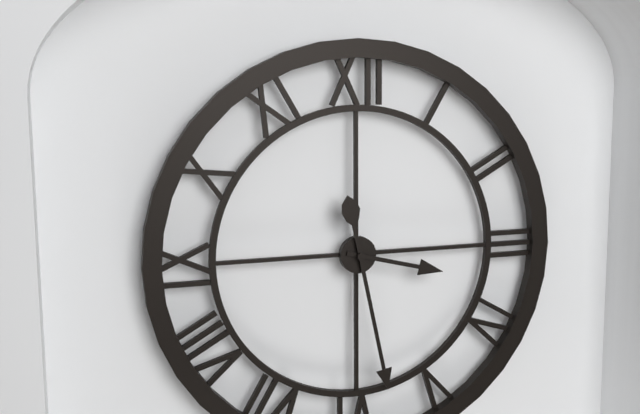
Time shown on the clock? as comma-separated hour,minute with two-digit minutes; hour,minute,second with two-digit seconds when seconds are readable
3,28
